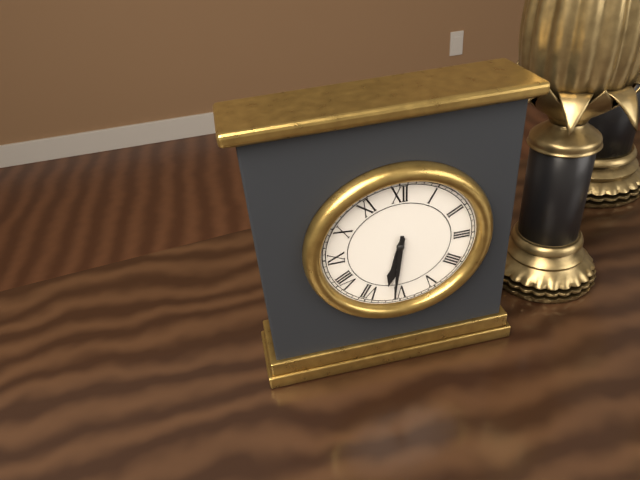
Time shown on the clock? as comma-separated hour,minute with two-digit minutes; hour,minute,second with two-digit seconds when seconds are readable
6,31
